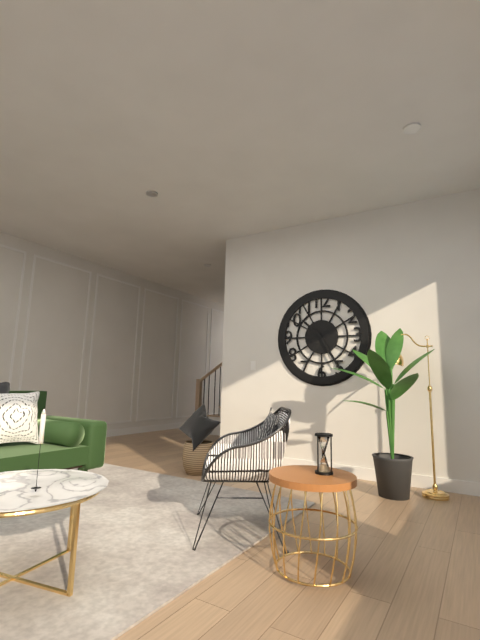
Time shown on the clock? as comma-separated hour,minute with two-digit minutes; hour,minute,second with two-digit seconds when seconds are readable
10,25
